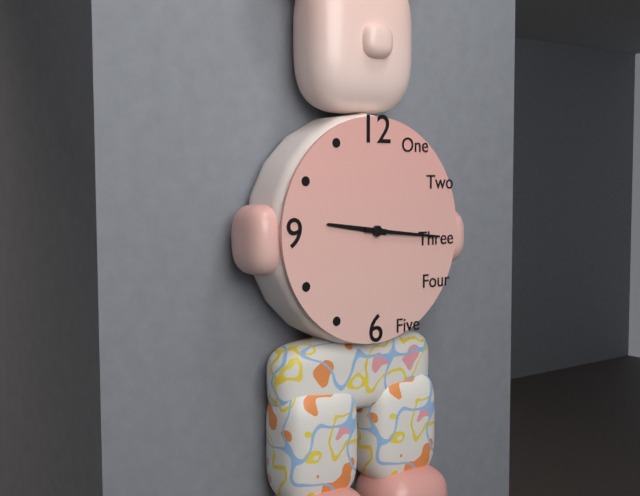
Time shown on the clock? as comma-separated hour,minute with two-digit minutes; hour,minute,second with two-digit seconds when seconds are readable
9,16
